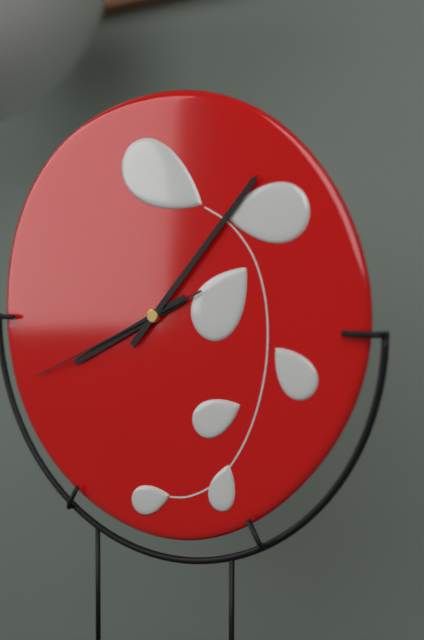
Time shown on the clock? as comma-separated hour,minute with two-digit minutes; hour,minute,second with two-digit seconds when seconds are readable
8,07,41
